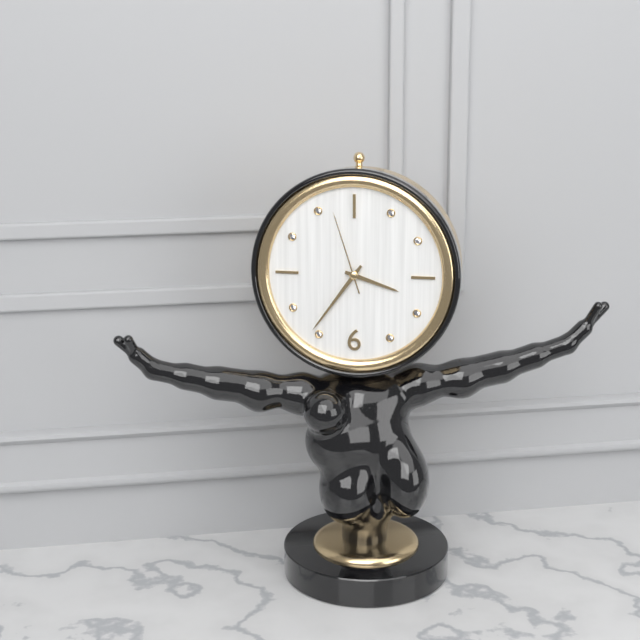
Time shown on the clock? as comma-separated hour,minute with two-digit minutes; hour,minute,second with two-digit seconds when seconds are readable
3,36,57
